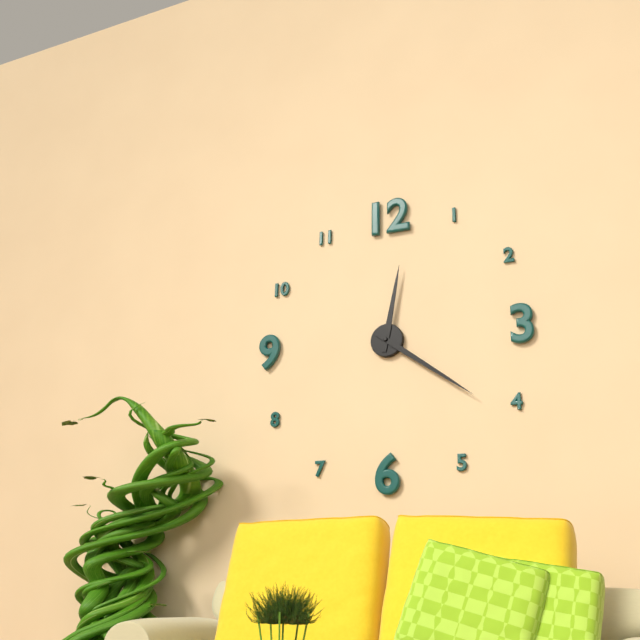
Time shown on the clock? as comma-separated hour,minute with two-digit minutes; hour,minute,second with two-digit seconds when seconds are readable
12,21
